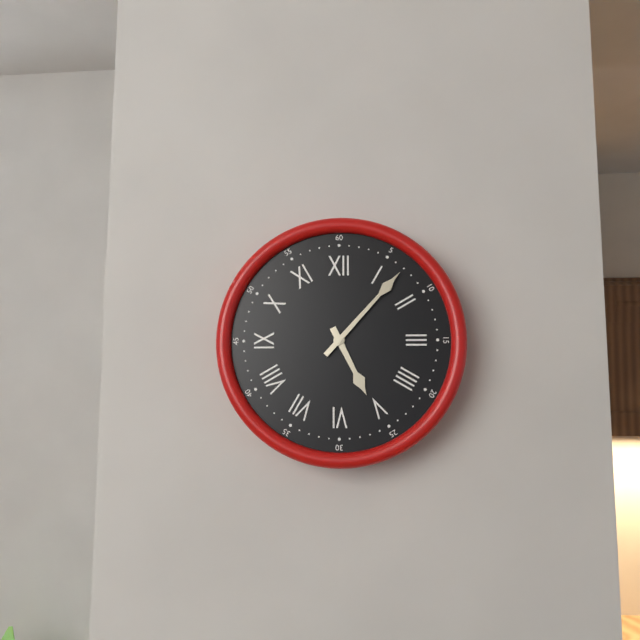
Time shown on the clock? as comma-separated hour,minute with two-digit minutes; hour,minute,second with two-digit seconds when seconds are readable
5,07
